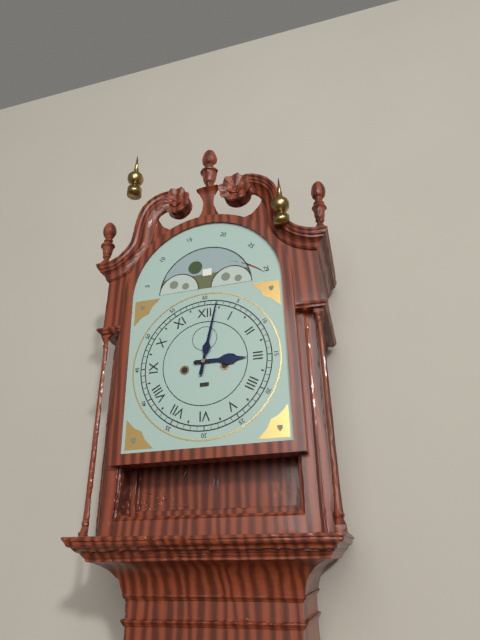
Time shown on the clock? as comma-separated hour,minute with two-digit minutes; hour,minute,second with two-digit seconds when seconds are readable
3,02
